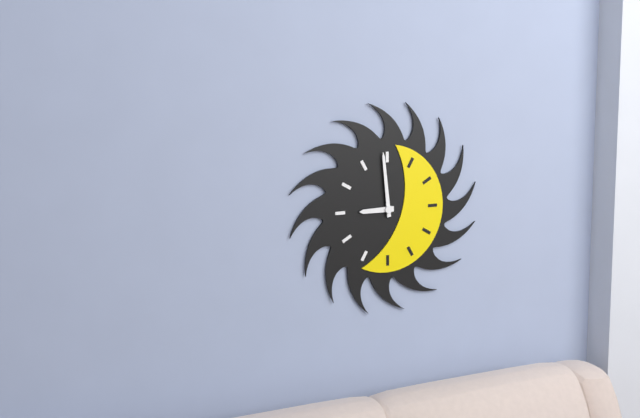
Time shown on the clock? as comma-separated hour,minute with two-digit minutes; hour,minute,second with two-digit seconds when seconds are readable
8,59
